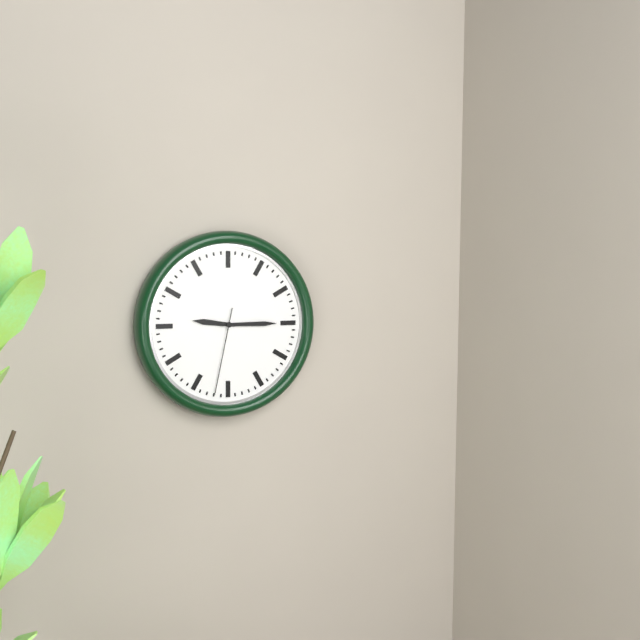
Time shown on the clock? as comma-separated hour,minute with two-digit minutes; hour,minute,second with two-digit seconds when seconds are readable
9,15,32
